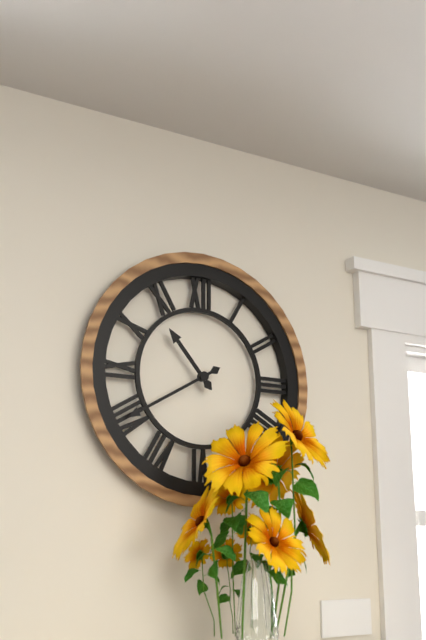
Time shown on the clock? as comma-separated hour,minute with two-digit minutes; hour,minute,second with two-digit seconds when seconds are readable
10,40
